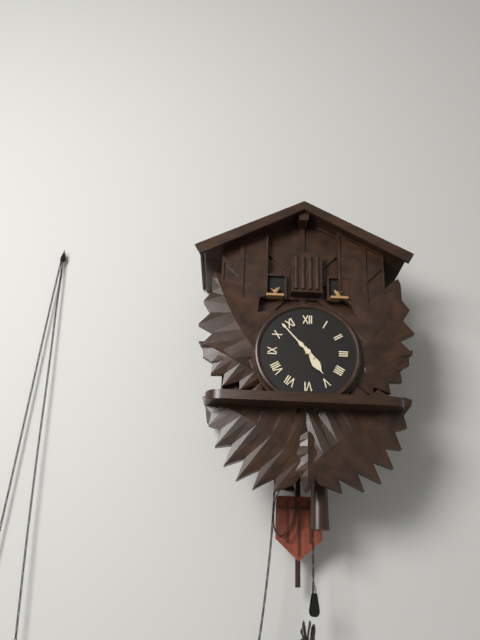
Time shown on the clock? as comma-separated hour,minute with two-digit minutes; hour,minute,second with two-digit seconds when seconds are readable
4,53
